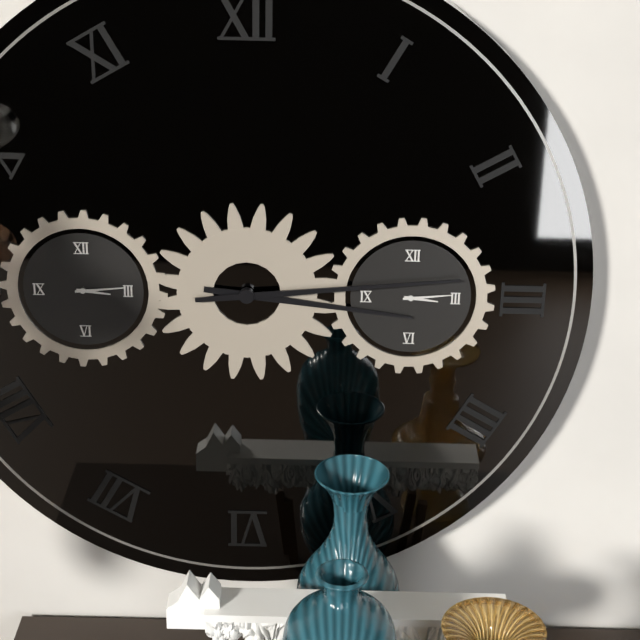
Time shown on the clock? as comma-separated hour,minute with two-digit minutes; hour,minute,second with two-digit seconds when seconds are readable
3,14
